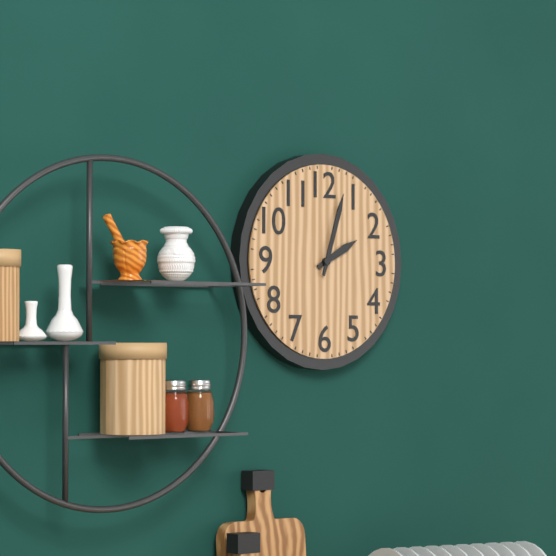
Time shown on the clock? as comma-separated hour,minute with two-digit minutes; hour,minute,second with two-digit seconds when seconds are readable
2,03
